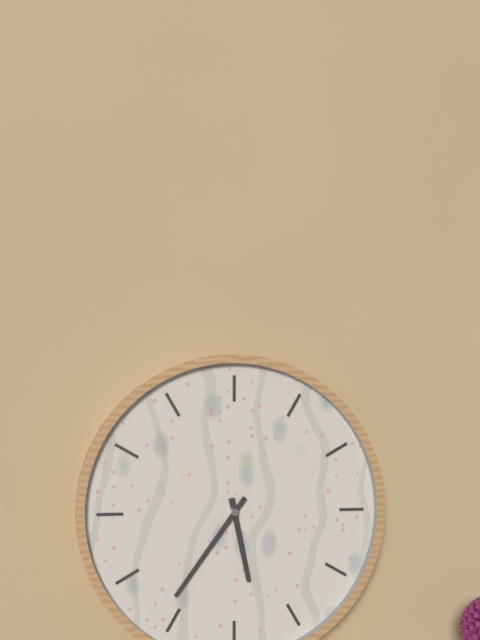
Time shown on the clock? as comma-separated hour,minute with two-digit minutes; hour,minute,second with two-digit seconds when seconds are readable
5,36
